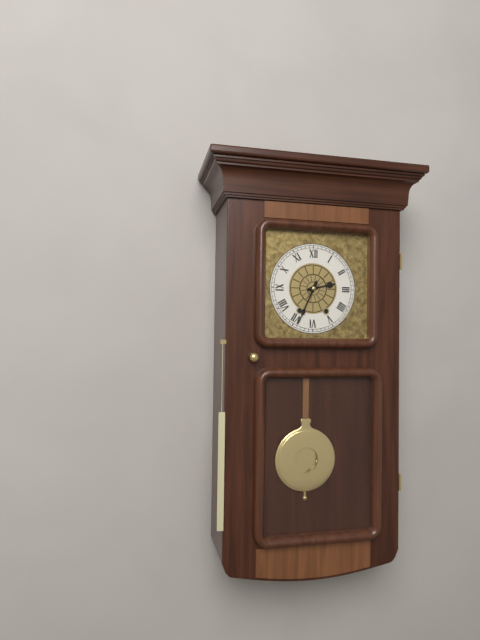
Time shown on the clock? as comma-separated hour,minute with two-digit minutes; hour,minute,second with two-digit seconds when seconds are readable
2,34
